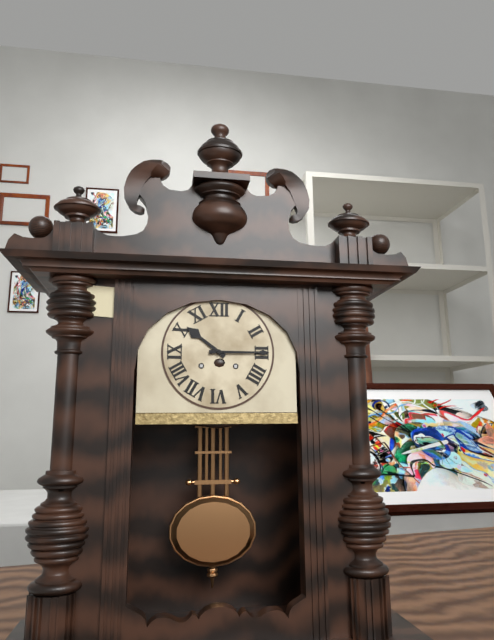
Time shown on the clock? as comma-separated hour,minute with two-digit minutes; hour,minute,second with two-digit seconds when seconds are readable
10,15
